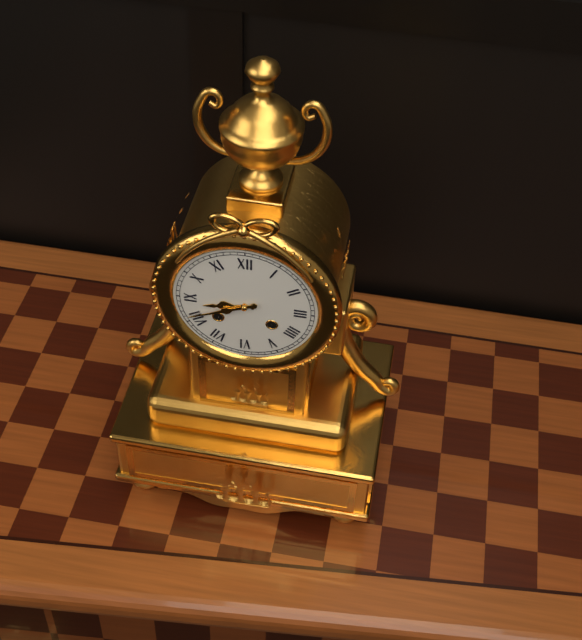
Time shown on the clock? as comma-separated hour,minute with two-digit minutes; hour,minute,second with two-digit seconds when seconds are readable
8,41
